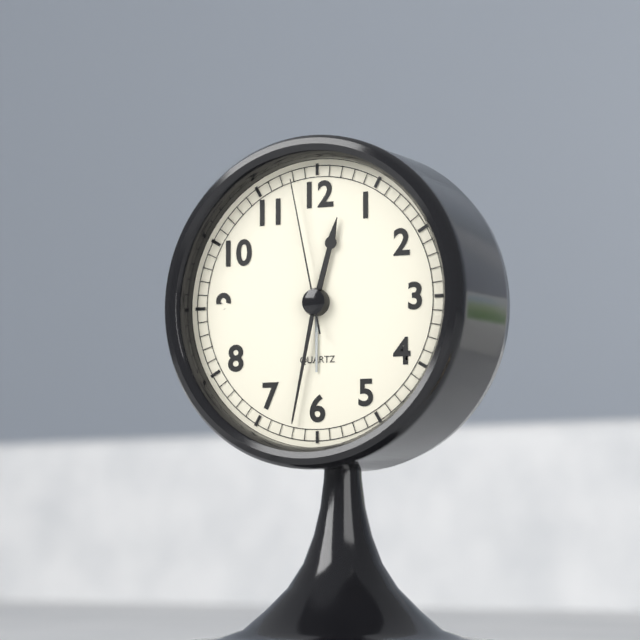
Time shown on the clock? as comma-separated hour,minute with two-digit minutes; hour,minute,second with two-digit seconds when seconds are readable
12,32,58
